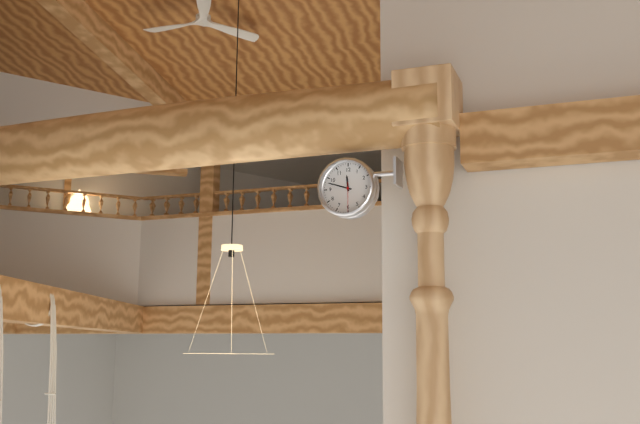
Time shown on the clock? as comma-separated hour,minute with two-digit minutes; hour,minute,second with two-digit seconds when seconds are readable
11,48
